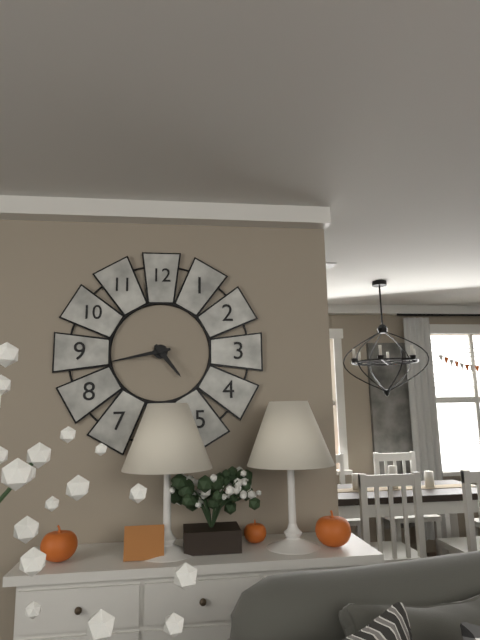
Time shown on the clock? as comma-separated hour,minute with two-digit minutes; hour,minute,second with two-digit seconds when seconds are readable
4,43
